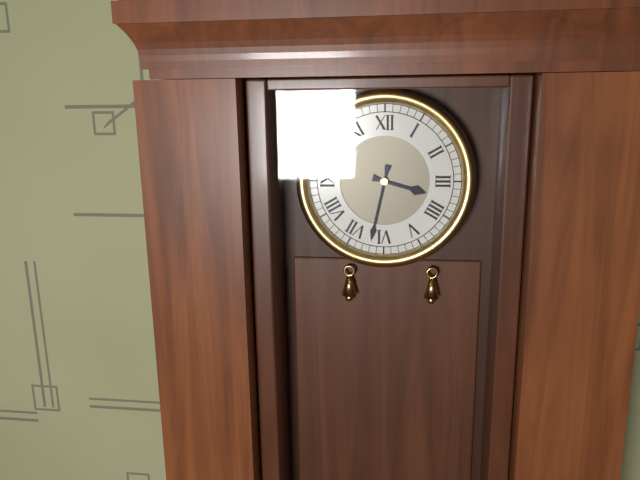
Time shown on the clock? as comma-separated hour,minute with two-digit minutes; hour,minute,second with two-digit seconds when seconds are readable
3,32
